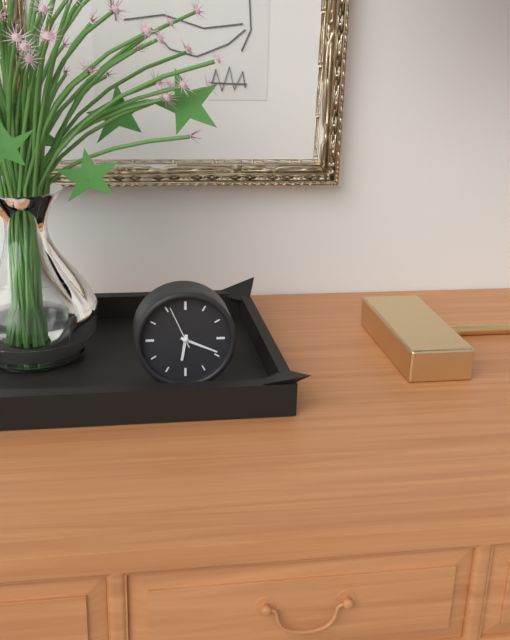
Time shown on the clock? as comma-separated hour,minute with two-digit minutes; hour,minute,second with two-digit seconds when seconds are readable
6,19
